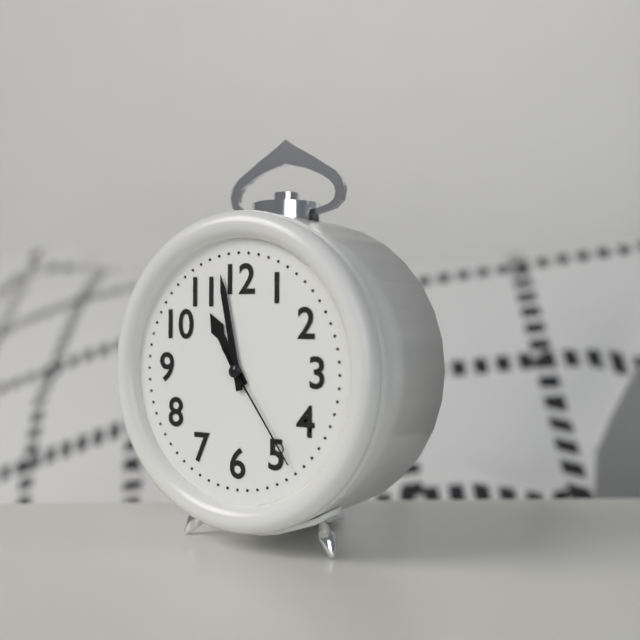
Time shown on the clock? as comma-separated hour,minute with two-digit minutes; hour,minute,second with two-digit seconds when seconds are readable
10,58,24
